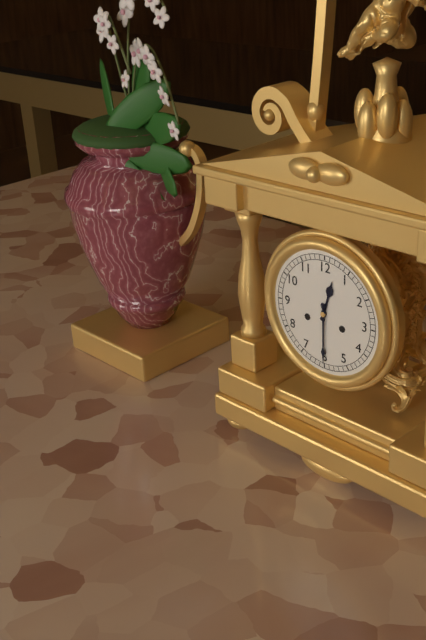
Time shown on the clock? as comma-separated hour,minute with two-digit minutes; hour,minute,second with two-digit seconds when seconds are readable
12,30
